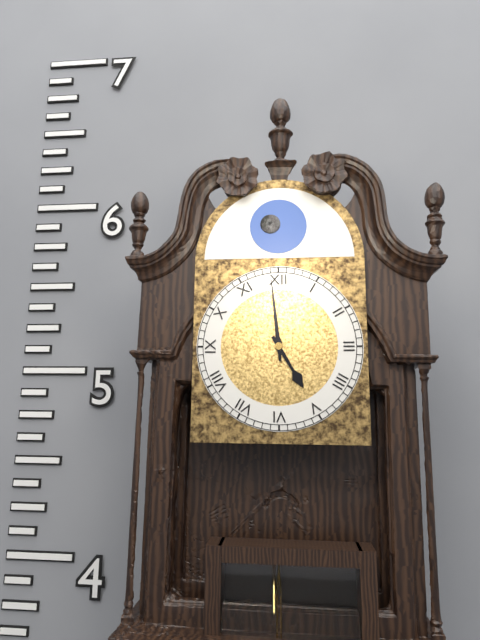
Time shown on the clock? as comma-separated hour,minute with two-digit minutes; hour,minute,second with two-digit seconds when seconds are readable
4,59
